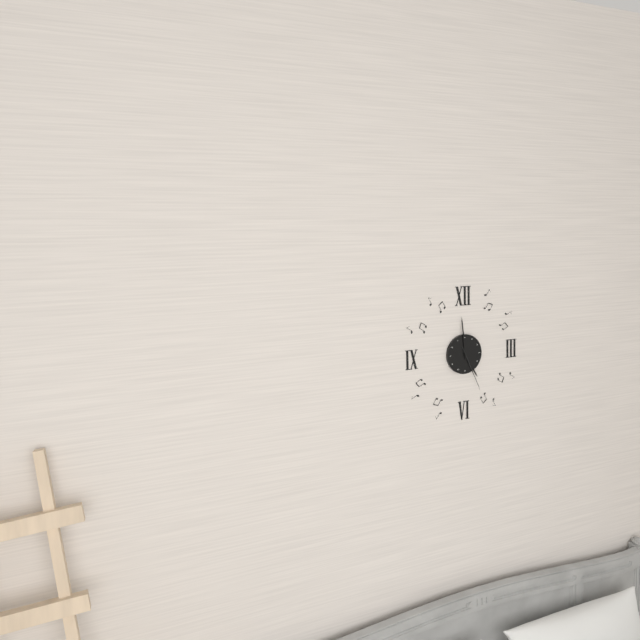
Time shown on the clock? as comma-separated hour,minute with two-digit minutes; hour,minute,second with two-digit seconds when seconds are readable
4,59
